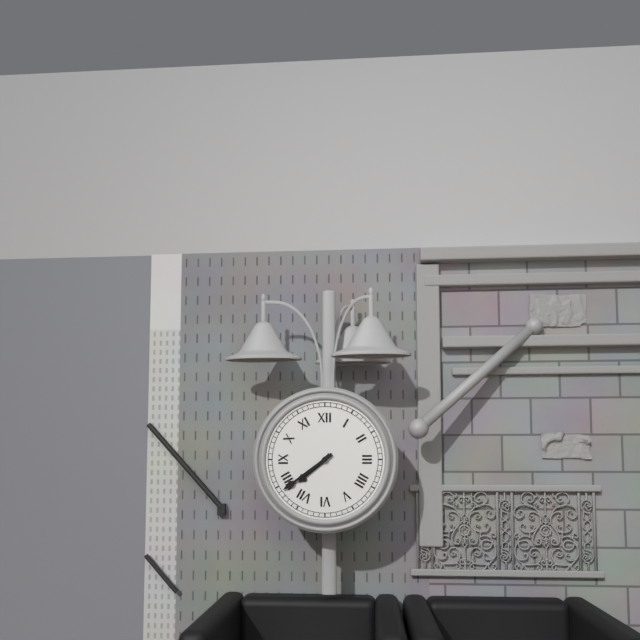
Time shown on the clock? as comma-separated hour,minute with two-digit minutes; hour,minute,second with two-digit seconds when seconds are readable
7,39
